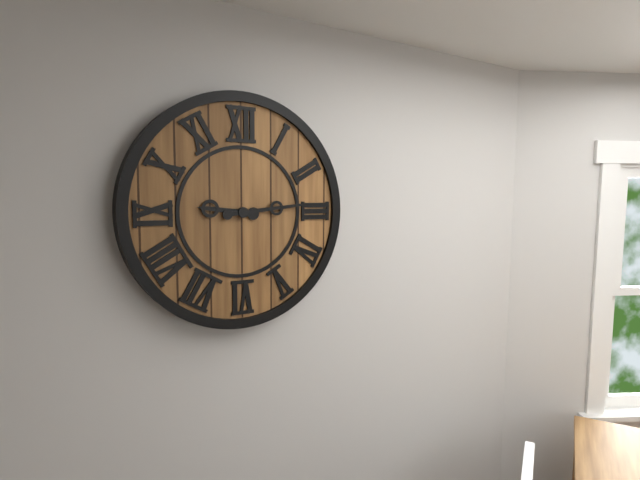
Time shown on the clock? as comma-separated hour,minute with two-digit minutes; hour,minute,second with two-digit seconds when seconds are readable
9,14
